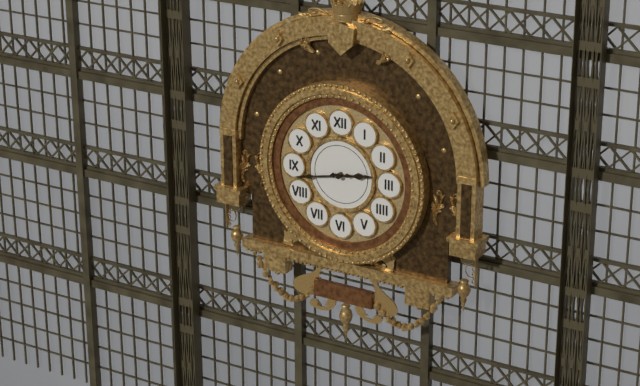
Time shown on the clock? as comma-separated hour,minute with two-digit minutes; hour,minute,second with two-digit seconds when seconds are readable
2,43
